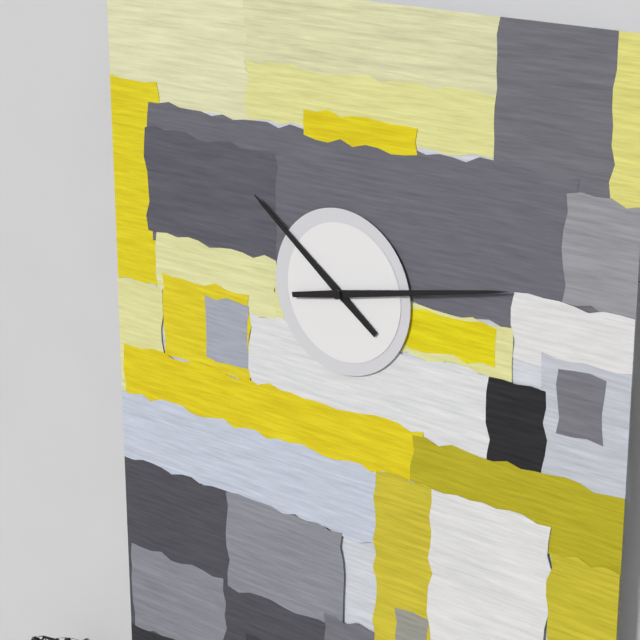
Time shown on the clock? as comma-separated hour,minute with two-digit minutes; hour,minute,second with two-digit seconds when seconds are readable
10,13
